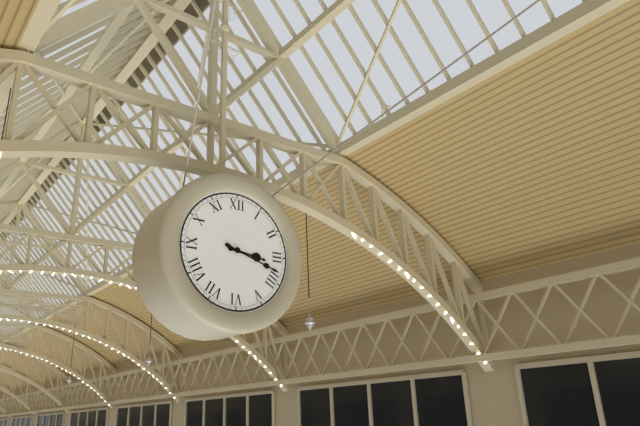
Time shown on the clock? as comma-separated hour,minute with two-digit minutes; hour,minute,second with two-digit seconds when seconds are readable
3,18
